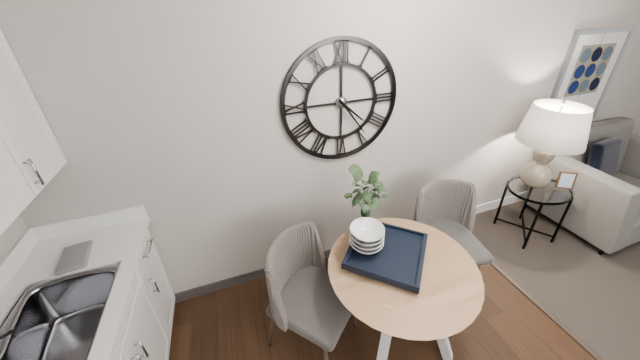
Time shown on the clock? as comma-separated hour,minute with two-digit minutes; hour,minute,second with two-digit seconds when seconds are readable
4,24
